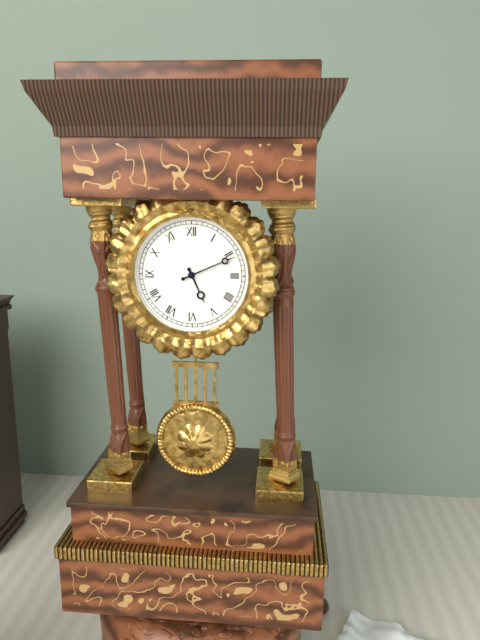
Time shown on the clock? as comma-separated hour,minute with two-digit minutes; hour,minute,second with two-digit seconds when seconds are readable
5,11
